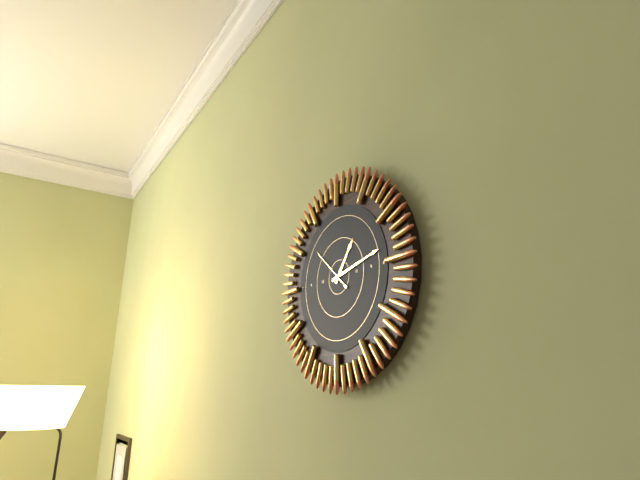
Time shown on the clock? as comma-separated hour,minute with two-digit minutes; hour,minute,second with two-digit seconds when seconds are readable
1,13
